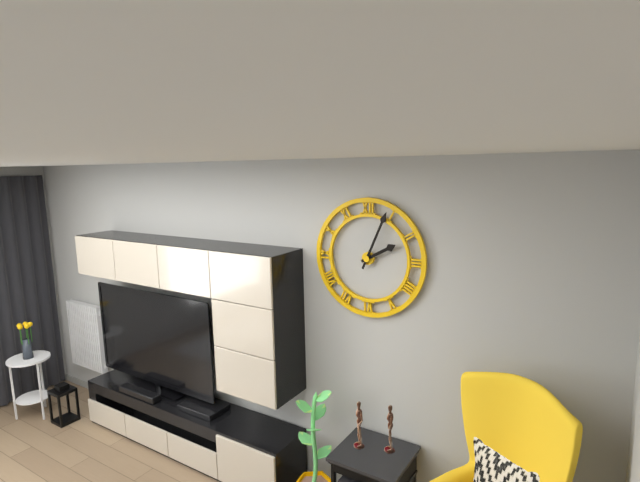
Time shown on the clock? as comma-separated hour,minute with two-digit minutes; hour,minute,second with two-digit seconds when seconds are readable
2,04
